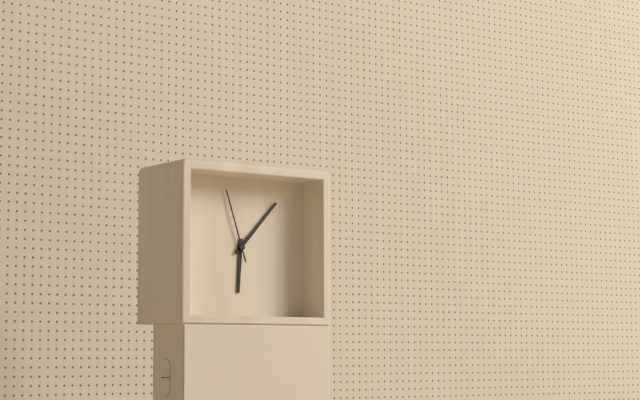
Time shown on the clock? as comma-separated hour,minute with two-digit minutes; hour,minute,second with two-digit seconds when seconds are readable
6,07,57
